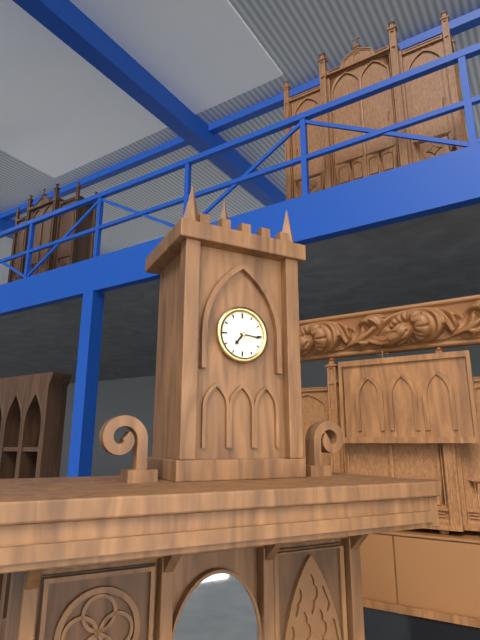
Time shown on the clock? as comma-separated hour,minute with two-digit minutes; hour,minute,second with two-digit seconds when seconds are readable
7,16
